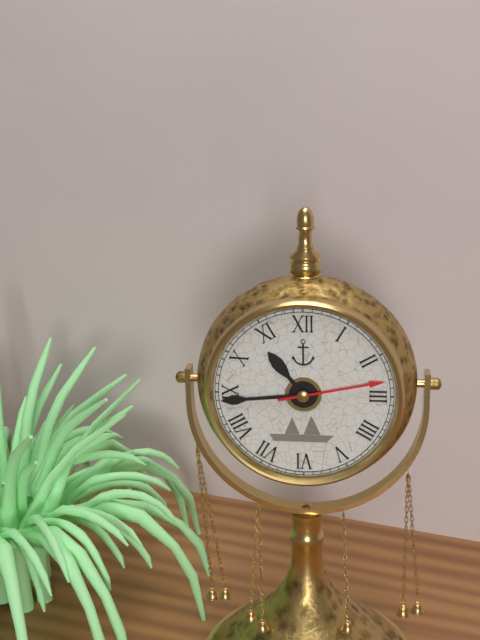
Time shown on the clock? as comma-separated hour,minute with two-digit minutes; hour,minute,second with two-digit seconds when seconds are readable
10,44,13
